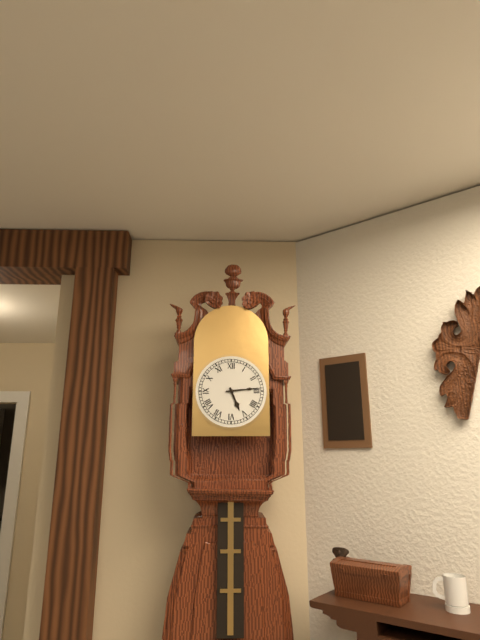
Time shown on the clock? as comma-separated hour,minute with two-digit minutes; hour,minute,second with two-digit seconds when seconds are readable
5,14
